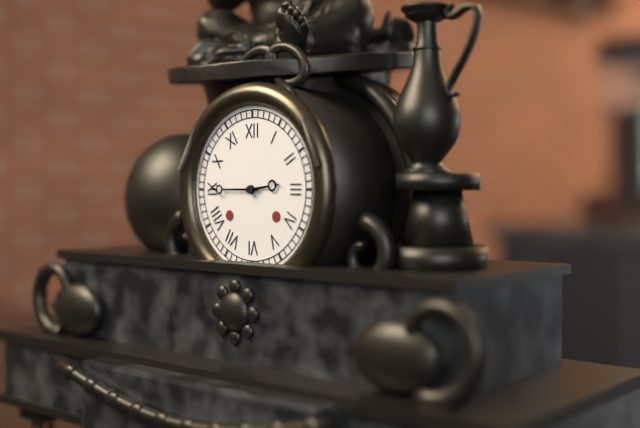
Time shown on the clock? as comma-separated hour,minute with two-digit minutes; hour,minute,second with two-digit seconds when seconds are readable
2,45
